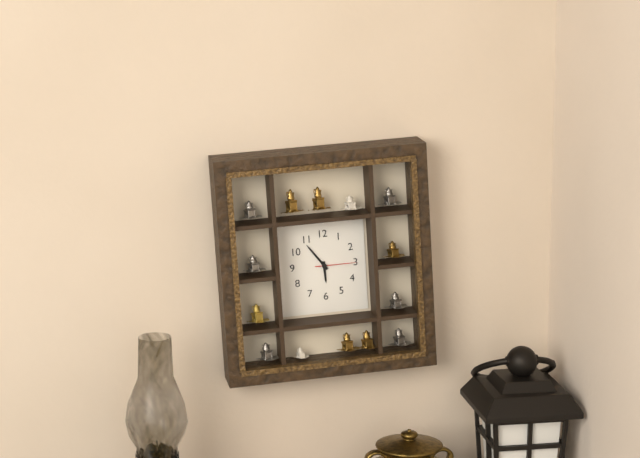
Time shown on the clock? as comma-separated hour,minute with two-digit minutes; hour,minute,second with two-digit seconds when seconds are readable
5,54
